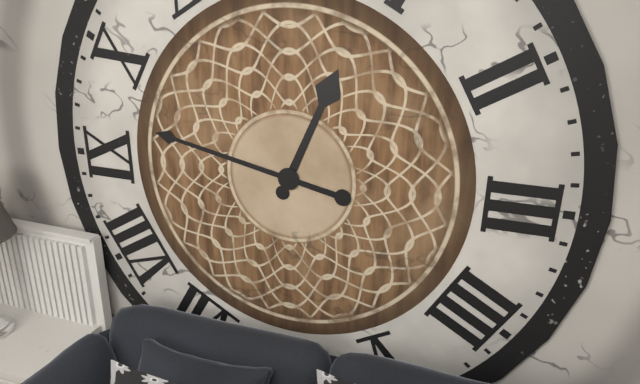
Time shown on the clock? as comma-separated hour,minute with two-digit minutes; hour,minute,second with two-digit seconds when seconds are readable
12,47
